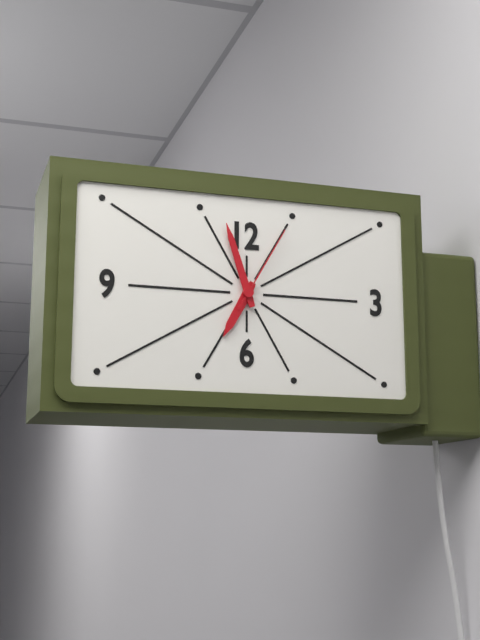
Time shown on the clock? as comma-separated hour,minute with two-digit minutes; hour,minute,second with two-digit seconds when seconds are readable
6,57,05
